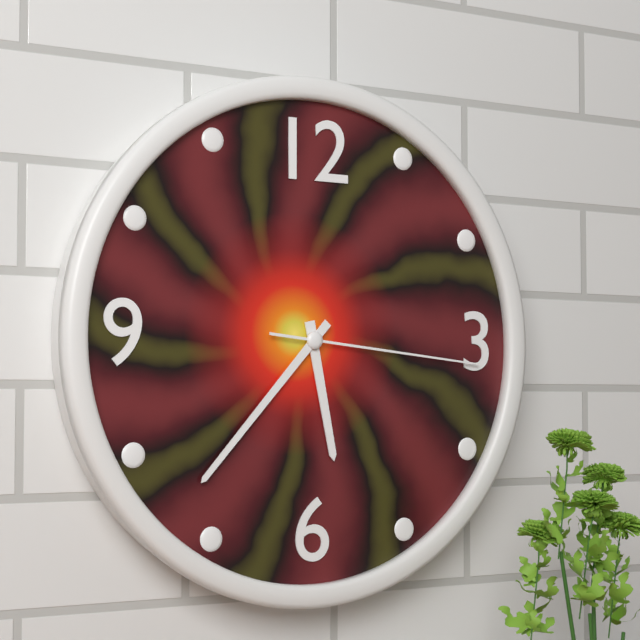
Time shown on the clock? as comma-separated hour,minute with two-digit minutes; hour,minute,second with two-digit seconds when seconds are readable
5,37,16
